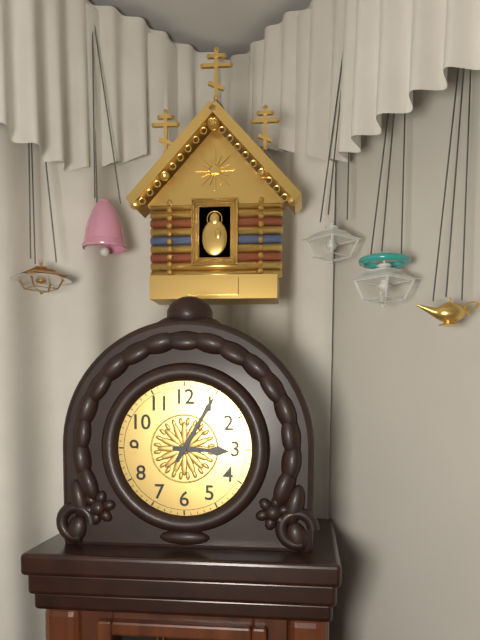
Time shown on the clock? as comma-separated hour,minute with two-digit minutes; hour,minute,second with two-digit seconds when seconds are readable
3,05
